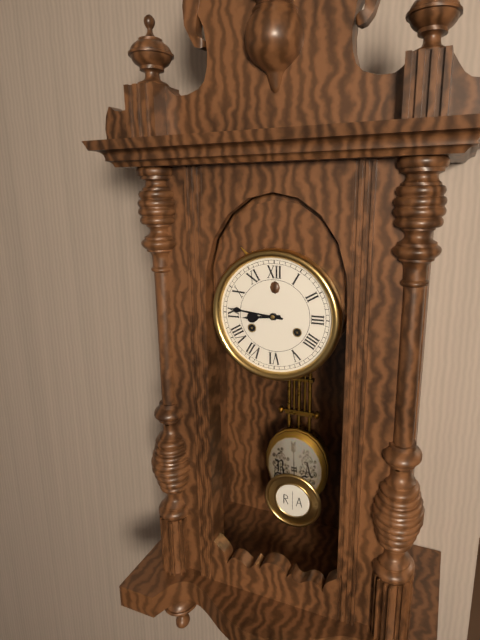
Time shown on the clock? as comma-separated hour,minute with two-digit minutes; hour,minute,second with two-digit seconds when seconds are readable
8,46
